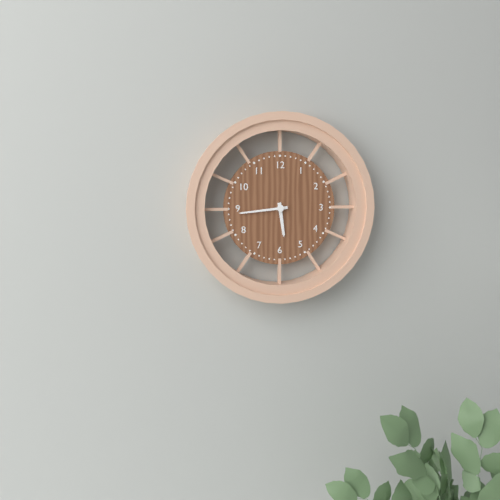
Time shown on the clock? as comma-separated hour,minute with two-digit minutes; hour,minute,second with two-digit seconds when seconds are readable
5,44
